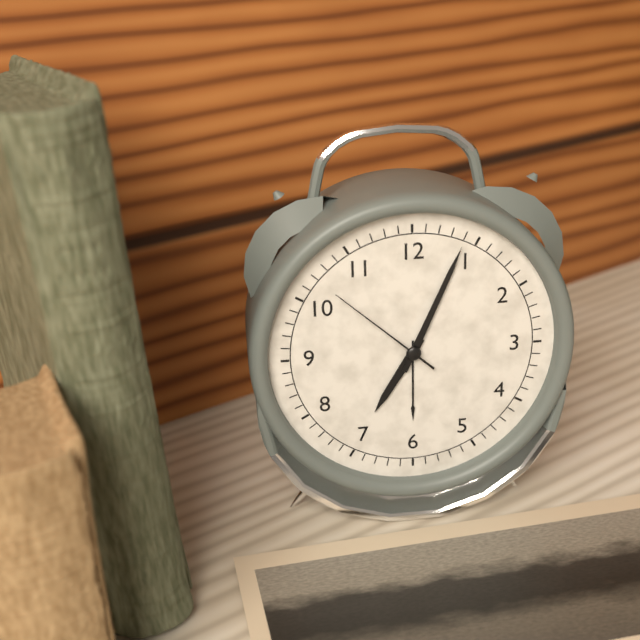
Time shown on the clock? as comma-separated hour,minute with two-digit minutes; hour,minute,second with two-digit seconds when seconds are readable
7,04,52
